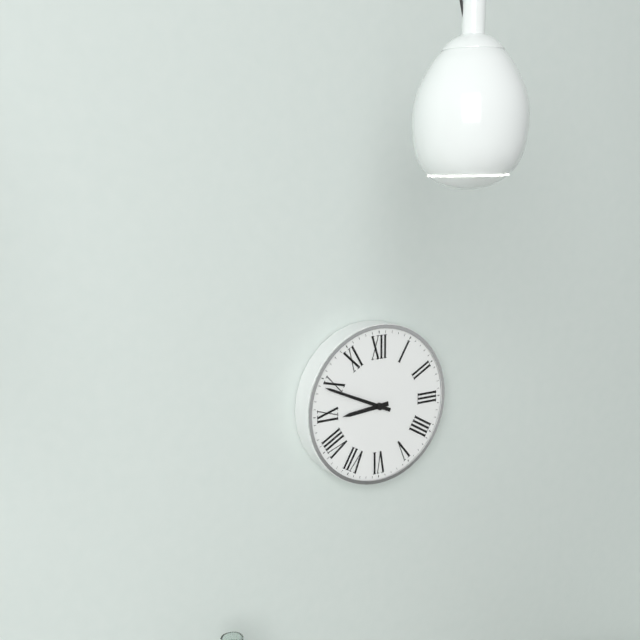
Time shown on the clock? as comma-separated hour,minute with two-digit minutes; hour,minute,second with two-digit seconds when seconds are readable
8,49
